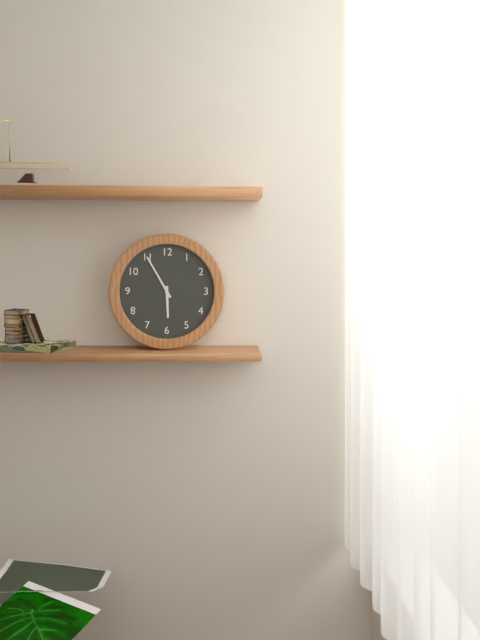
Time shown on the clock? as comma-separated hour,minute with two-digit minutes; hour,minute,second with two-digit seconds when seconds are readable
5,55
